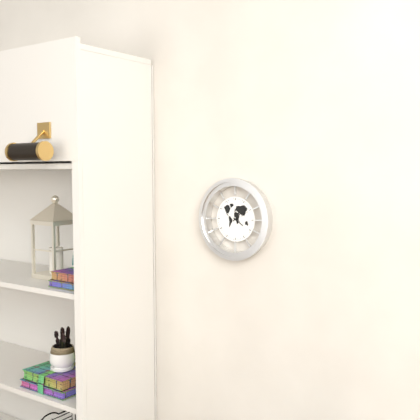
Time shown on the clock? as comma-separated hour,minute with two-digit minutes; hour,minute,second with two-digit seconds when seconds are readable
4,08
